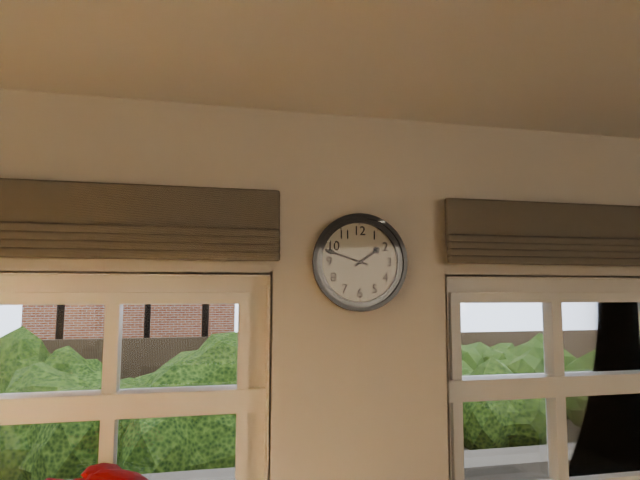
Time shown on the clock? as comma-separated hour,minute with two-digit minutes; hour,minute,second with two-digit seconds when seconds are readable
1,48
